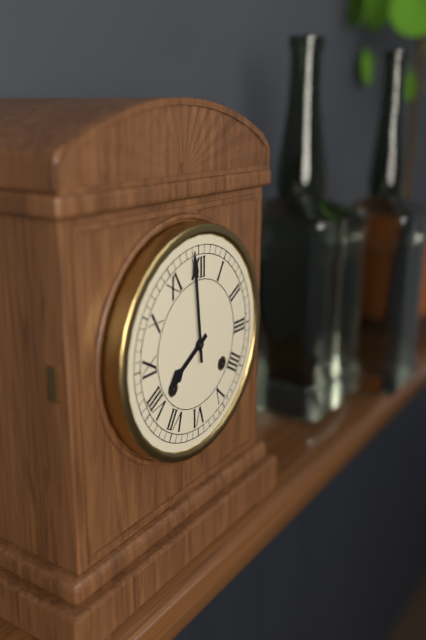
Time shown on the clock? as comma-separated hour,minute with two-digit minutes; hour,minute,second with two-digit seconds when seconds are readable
7,59
